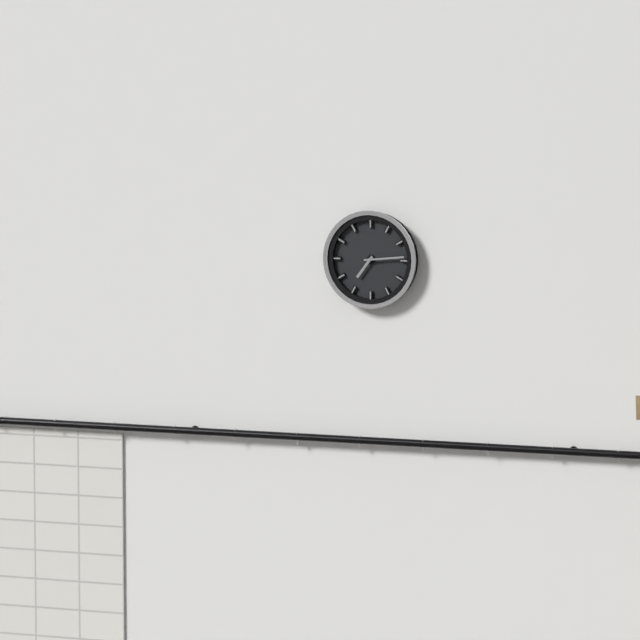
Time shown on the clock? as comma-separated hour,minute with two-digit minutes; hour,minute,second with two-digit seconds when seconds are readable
7,14
